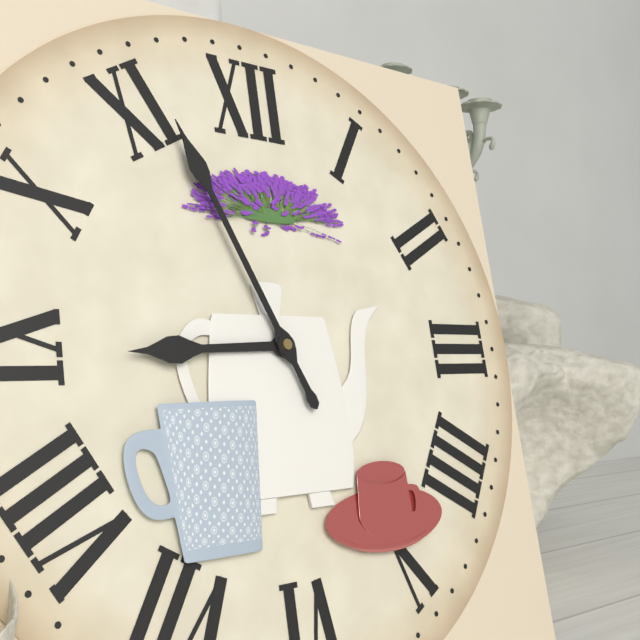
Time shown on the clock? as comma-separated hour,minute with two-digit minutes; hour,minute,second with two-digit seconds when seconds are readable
8,56
